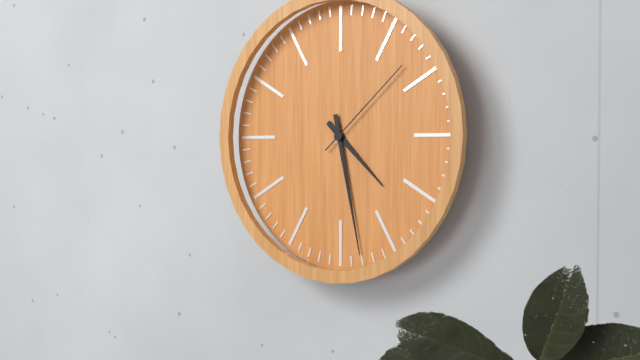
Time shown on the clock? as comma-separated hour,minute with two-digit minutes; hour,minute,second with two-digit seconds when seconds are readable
4,28,08
